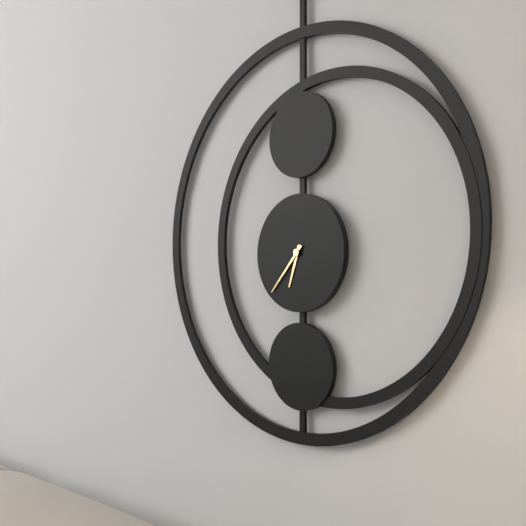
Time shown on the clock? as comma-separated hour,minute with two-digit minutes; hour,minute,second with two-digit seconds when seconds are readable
6,37
